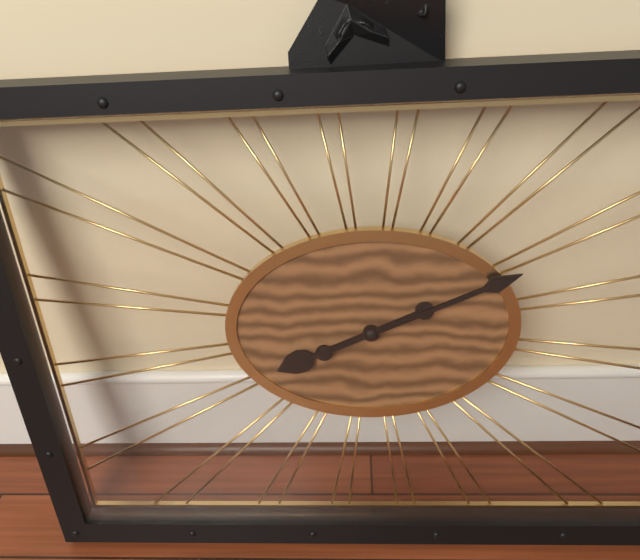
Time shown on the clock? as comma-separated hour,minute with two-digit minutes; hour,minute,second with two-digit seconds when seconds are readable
8,11
